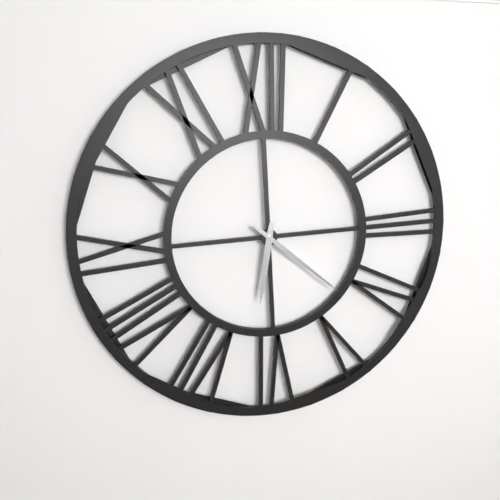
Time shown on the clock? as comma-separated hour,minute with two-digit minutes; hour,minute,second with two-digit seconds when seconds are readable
6,22
